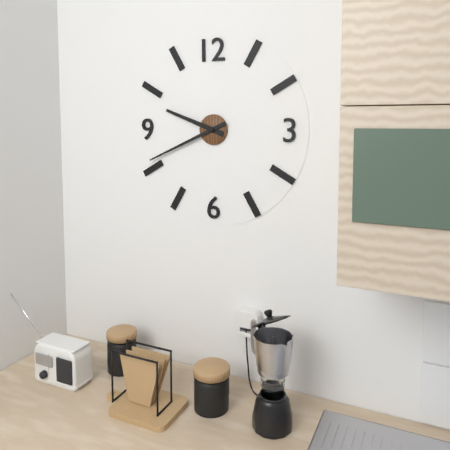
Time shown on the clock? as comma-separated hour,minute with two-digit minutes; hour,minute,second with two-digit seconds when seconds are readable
9,41
